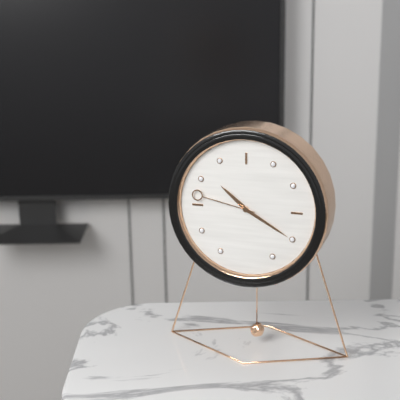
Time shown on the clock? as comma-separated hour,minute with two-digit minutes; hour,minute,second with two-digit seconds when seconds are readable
10,20,47
